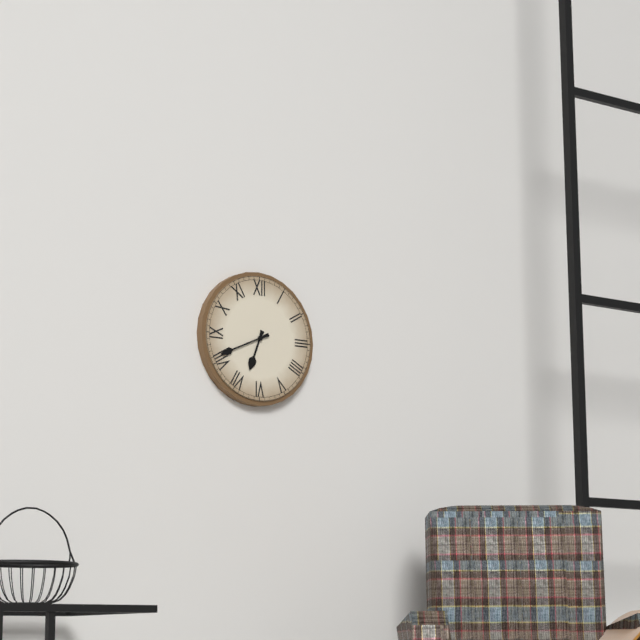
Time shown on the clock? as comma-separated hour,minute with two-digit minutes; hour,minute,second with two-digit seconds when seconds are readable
6,41
